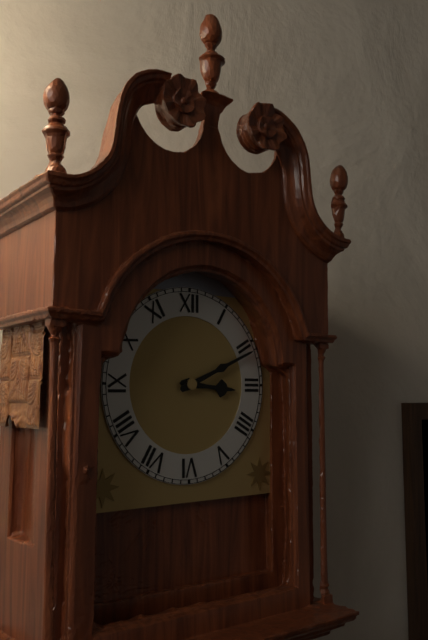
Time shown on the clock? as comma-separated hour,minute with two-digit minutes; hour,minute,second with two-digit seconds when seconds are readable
3,11
